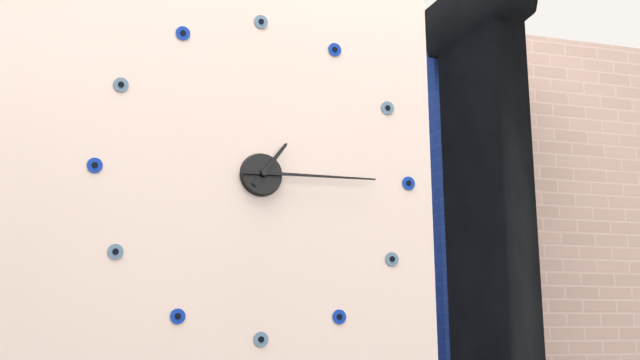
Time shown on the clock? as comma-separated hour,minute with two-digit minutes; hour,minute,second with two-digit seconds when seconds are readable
1,15
